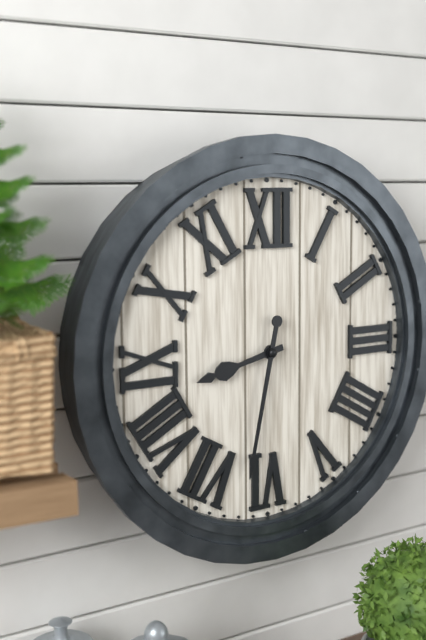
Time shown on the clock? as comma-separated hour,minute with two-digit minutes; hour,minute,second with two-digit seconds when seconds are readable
8,32
